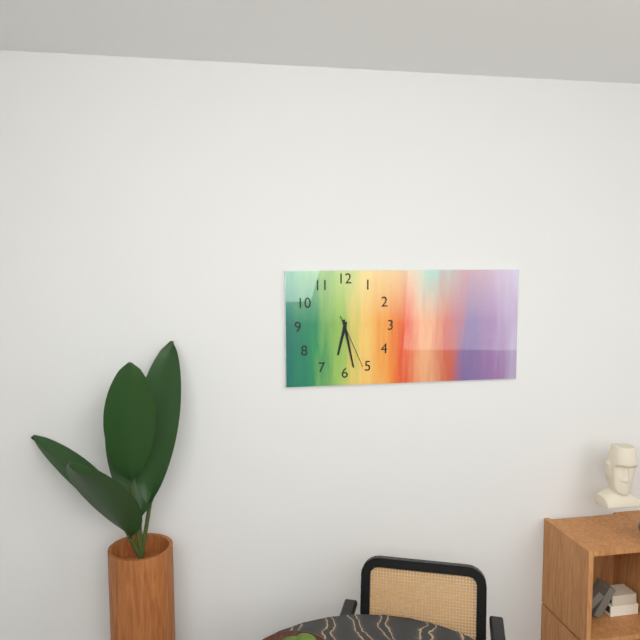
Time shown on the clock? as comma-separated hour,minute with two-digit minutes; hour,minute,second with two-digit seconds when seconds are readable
6,28,26
